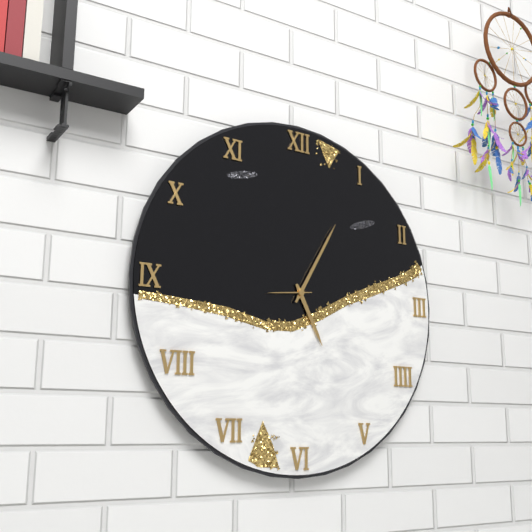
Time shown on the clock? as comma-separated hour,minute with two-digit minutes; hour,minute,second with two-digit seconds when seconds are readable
5,05
